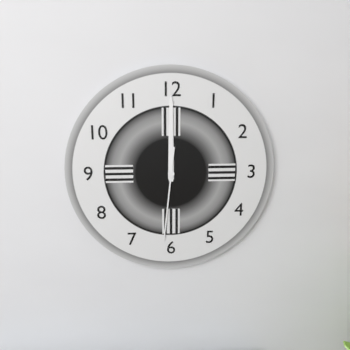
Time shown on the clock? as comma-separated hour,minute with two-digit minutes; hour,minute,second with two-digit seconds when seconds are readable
12,00,31
